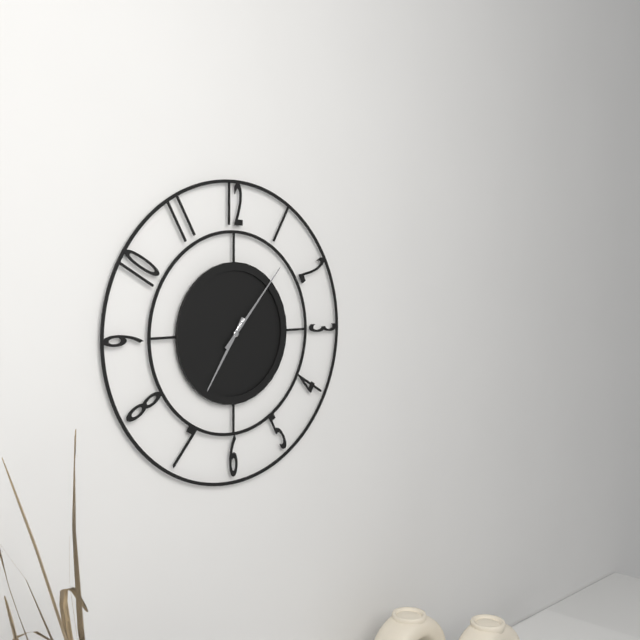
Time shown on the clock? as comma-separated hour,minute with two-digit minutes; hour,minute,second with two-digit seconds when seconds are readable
7,07
